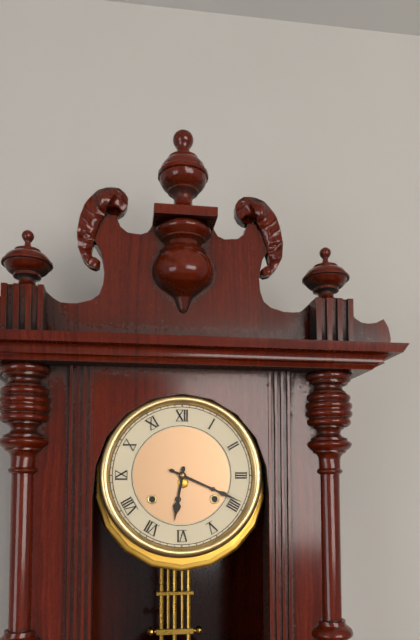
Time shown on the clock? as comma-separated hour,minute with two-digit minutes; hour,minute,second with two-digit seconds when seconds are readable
6,19
